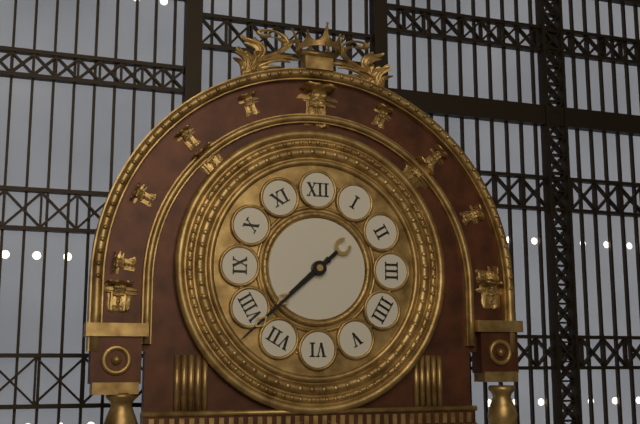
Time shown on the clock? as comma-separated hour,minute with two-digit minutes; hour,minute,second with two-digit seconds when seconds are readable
7,38
